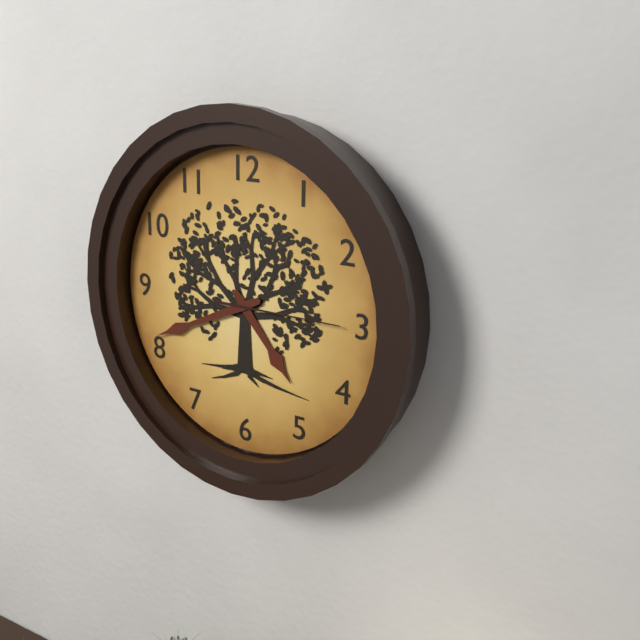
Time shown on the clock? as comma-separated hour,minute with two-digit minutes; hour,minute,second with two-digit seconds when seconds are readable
4,41,15
